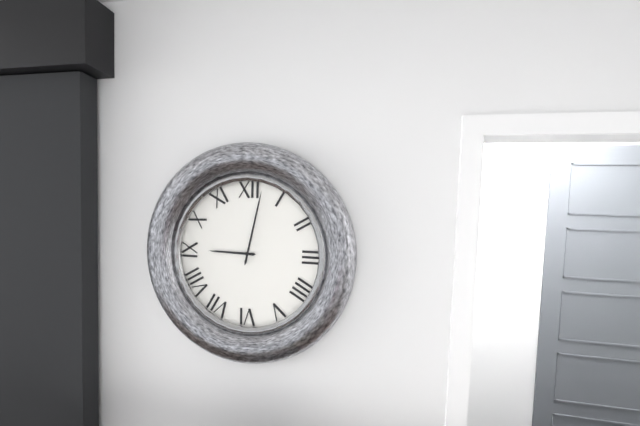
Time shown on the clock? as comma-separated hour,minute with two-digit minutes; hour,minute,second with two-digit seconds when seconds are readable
9,02
